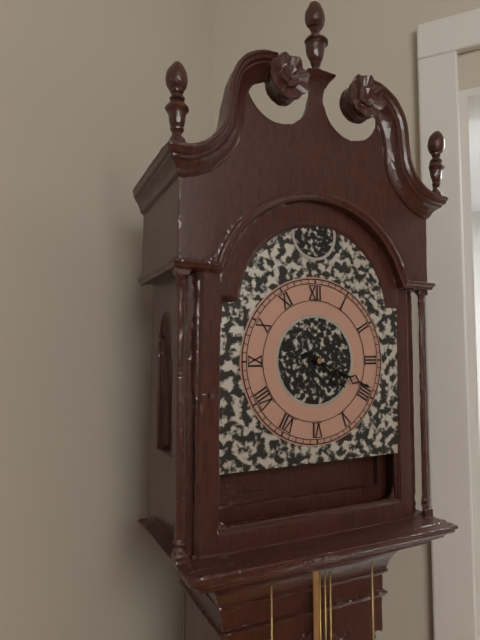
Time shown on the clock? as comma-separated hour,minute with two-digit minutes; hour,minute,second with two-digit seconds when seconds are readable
4,19
